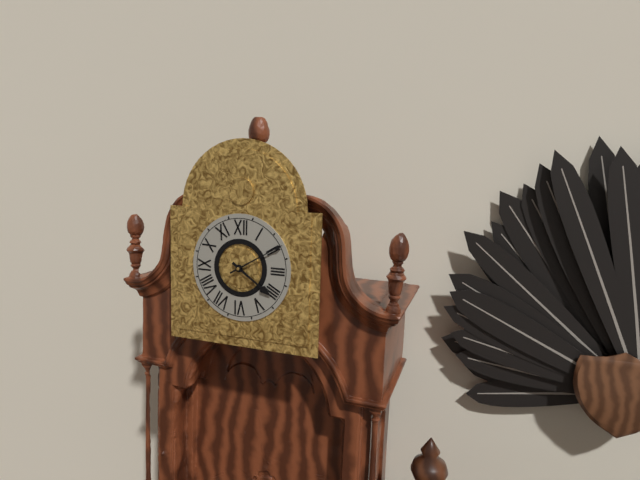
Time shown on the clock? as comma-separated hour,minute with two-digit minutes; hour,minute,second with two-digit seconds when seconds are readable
4,10
